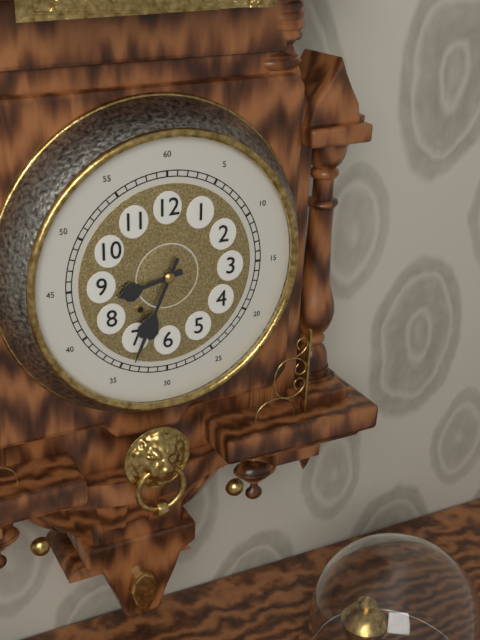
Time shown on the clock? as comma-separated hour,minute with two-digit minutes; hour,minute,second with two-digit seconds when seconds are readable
8,34
